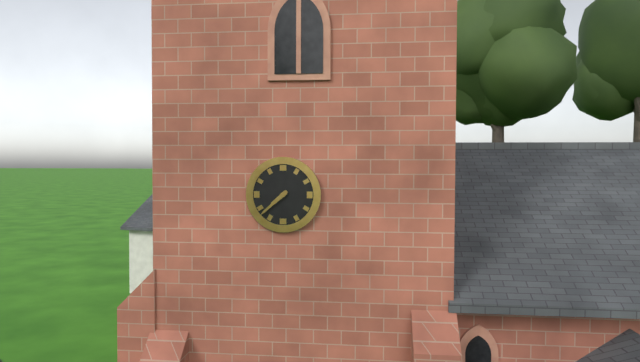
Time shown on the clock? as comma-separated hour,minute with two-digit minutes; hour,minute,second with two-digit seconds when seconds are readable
7,38
